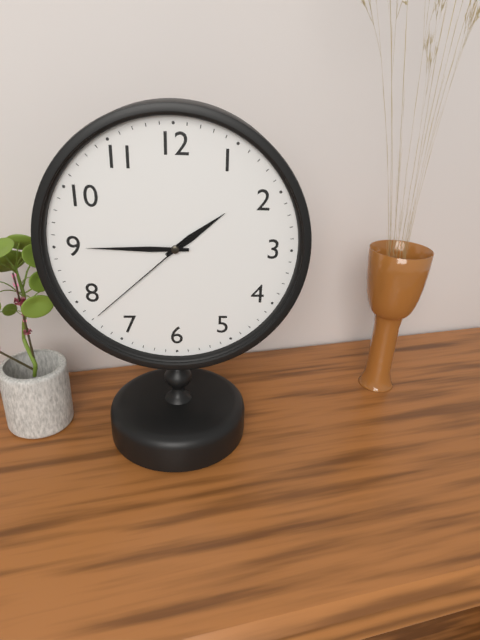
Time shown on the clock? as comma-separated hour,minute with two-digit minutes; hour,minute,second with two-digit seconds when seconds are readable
1,45,38
